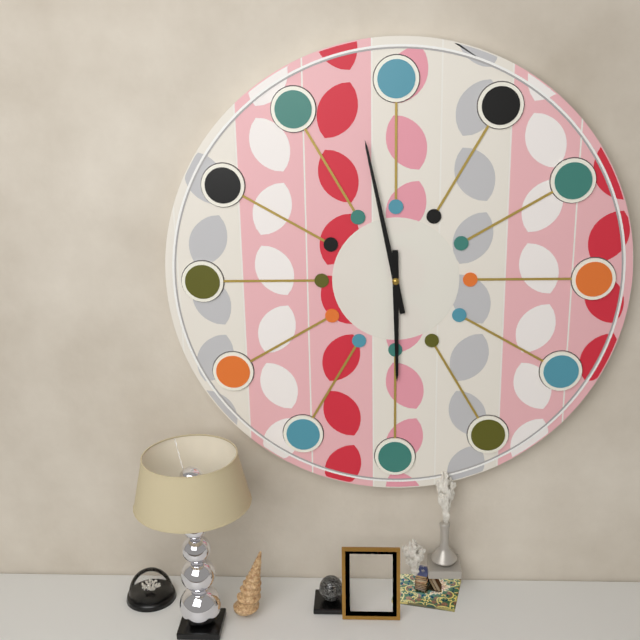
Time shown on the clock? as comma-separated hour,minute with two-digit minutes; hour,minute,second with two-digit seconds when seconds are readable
5,58
